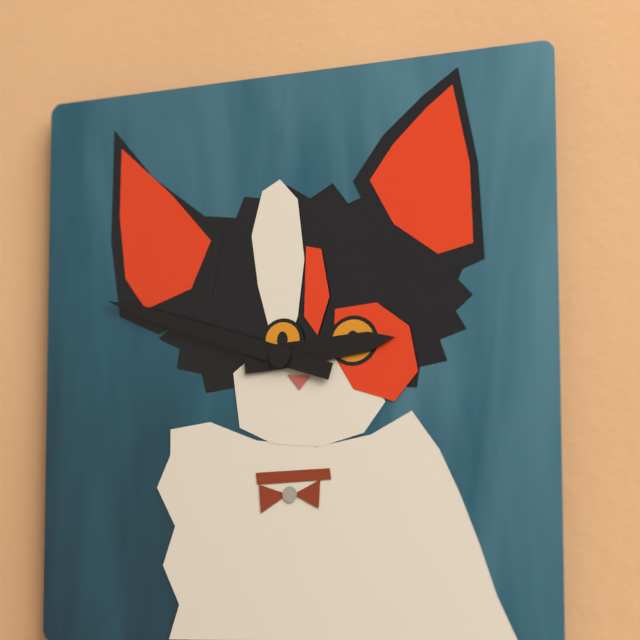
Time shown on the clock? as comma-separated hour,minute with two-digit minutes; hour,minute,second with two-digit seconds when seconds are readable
2,48
